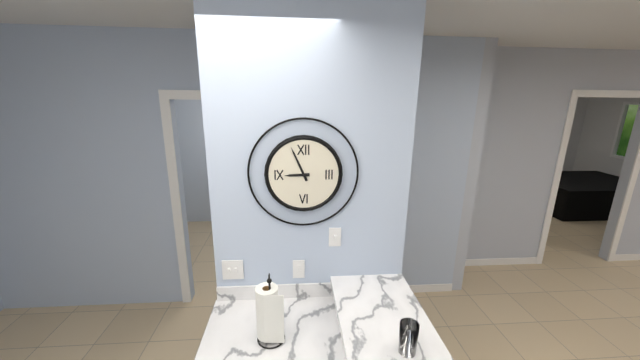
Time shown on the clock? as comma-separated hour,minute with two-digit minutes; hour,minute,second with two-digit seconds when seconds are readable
8,56
